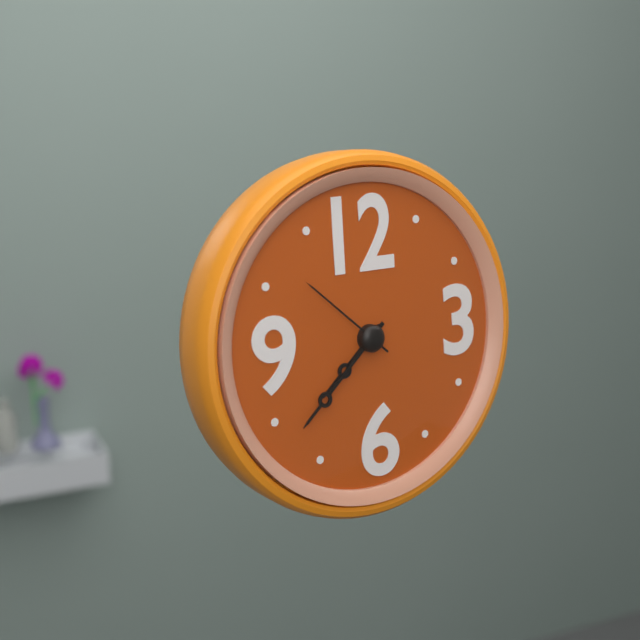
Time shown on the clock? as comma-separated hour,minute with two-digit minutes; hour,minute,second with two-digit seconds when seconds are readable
7,38,52
